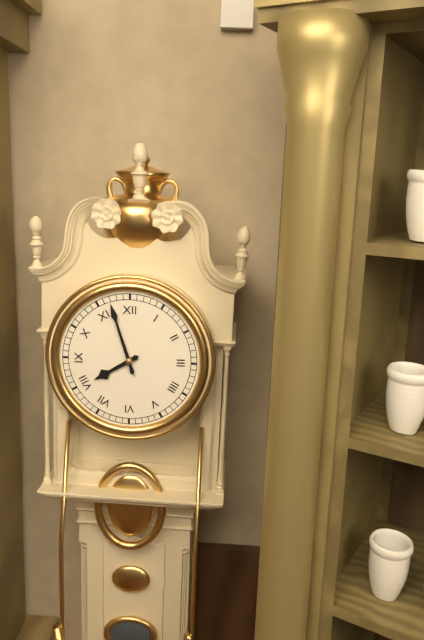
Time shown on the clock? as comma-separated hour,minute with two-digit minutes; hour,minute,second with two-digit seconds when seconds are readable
7,57
